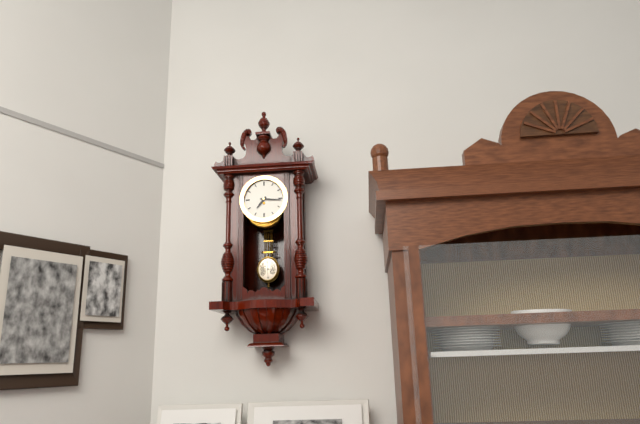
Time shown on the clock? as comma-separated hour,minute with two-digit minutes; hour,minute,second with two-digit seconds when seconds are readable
7,16
